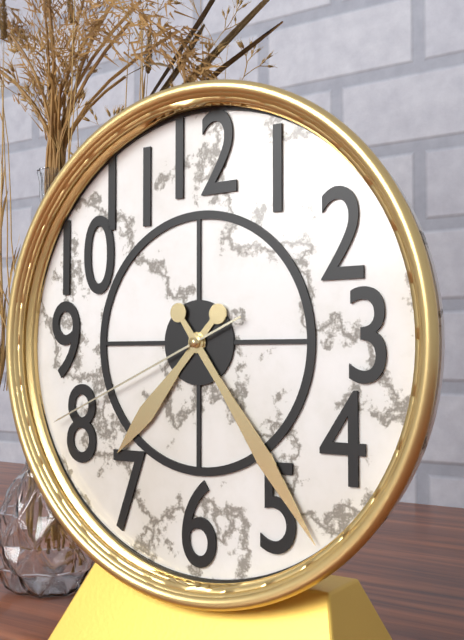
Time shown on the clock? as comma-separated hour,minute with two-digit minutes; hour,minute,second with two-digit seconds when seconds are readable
7,24,41
